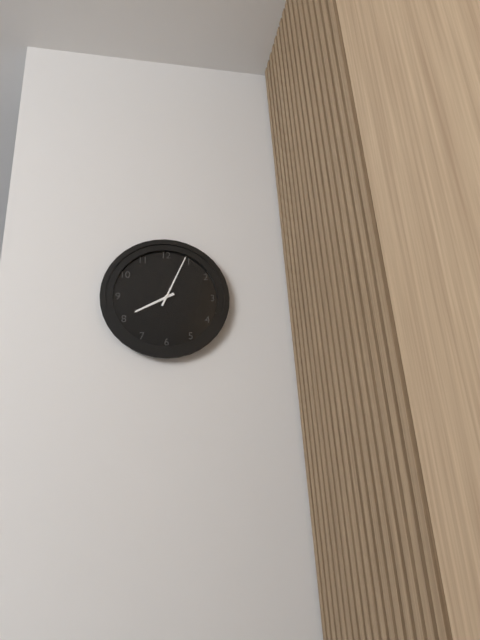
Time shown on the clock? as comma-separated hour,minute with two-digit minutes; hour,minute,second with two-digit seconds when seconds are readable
8,04
